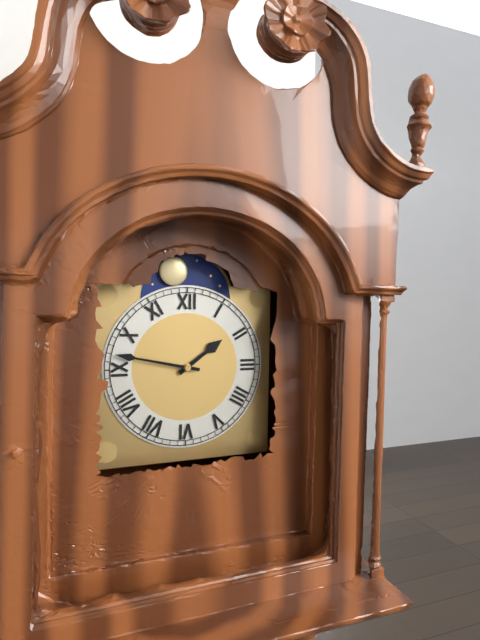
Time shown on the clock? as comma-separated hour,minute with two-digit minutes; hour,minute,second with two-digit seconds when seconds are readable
1,47
